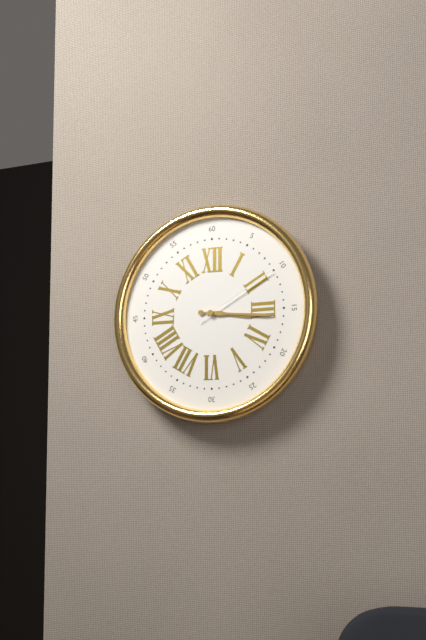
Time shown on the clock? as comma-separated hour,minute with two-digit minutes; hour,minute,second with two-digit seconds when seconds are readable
3,16,10
